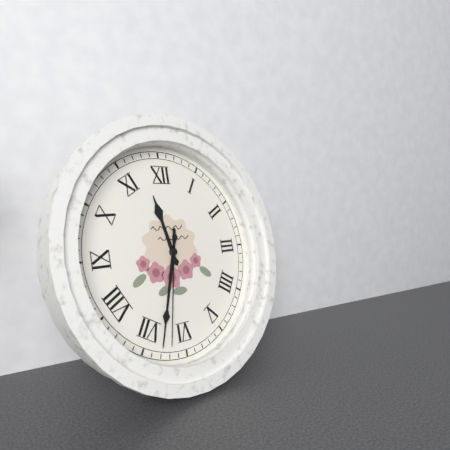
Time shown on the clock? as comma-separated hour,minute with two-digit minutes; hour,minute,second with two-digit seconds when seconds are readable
11,33,32
